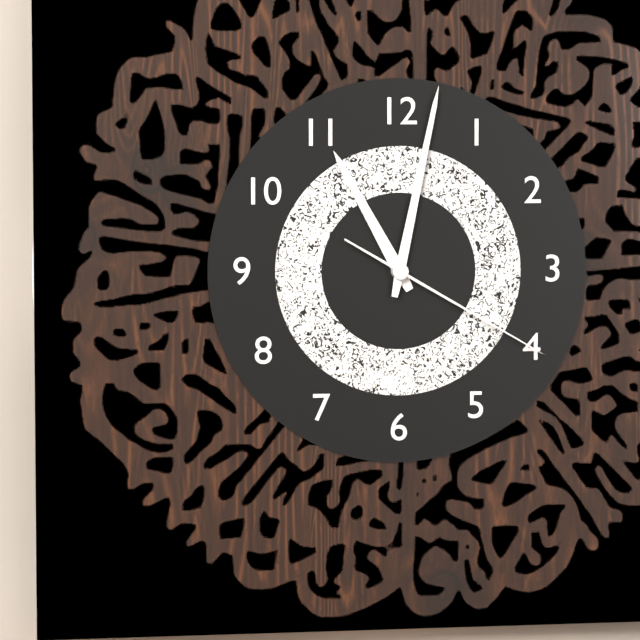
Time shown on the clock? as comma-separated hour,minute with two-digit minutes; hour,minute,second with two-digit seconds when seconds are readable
11,02,20
